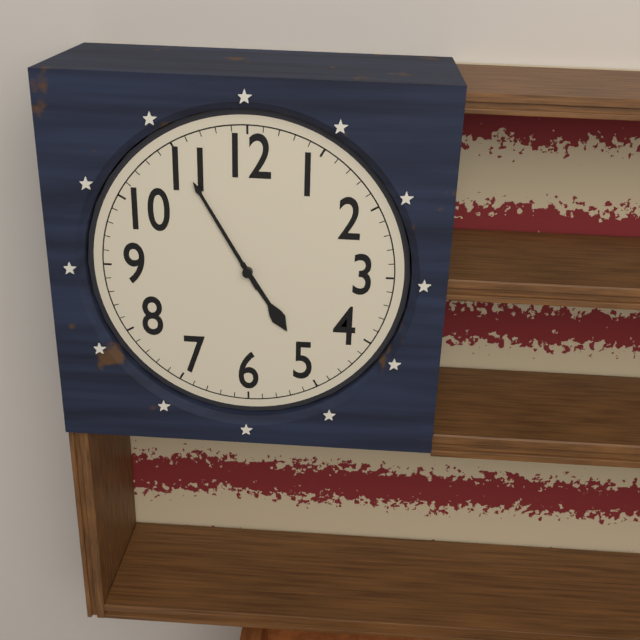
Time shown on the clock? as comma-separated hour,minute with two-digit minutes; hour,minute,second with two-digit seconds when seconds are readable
4,55
